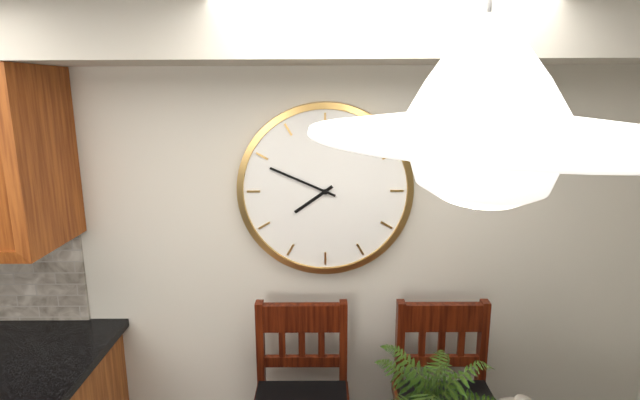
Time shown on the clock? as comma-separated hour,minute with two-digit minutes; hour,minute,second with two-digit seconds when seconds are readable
7,49
